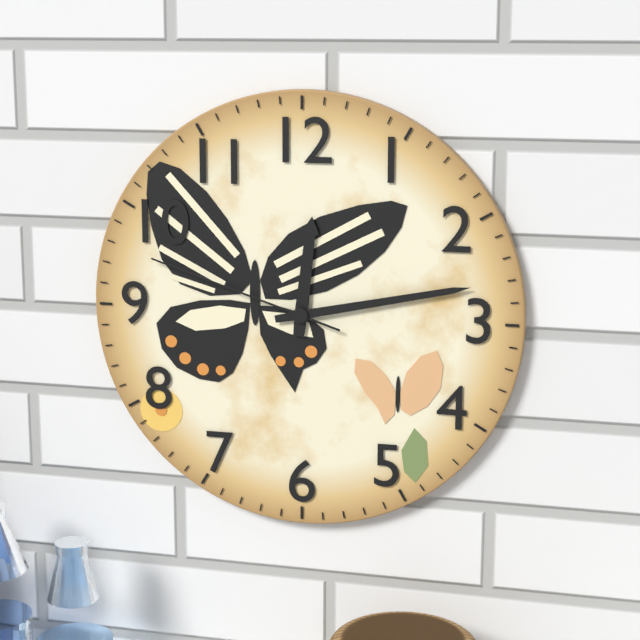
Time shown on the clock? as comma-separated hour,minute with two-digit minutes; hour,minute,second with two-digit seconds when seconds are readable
12,13,48
